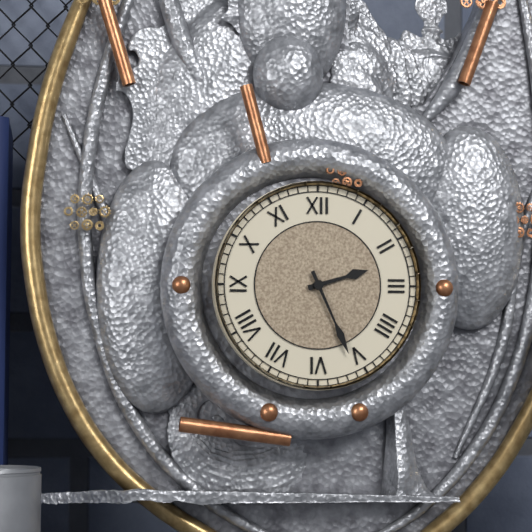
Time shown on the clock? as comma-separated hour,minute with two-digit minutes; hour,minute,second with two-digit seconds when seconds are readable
2,26
